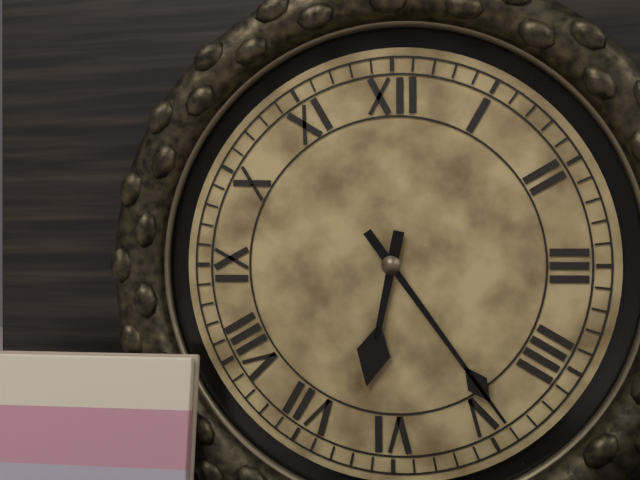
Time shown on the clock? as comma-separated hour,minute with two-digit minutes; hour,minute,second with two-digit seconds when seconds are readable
6,24
